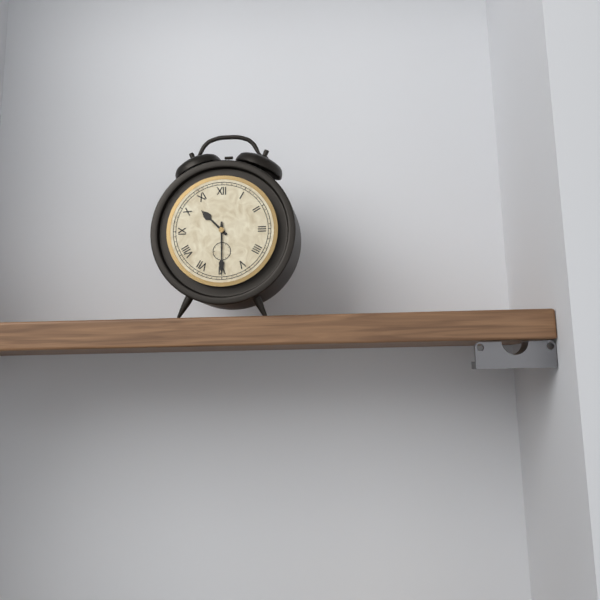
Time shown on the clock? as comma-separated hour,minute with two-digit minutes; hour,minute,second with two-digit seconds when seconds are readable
10,30
